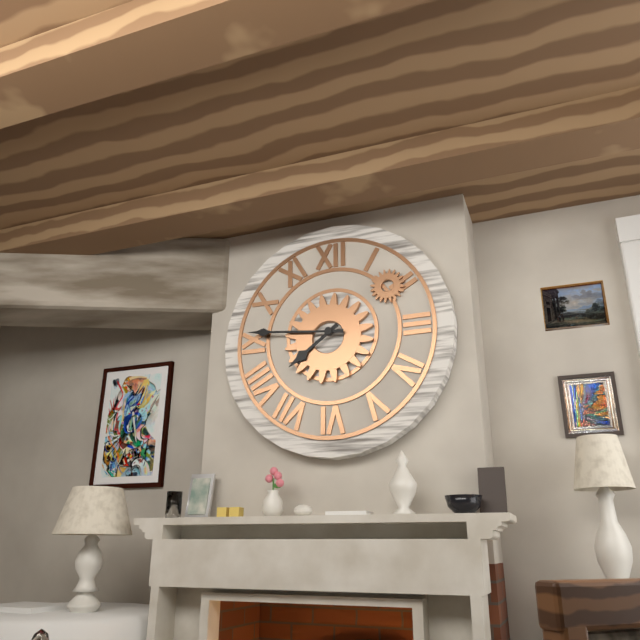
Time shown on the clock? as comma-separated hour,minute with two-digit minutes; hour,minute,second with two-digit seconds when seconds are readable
7,46
